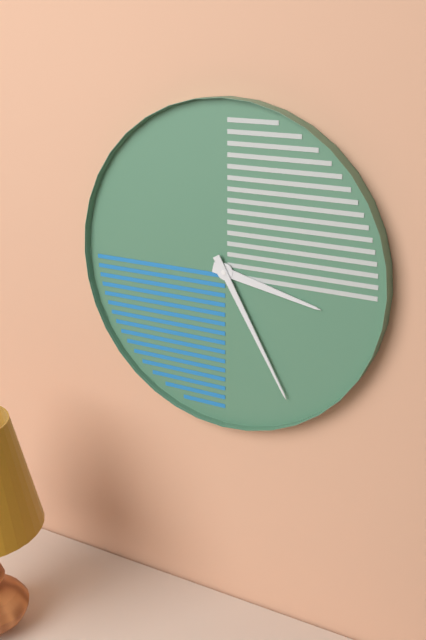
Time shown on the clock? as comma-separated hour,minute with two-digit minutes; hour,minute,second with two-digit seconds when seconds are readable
3,25
